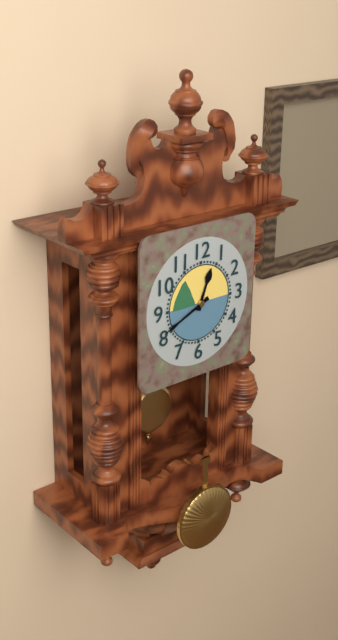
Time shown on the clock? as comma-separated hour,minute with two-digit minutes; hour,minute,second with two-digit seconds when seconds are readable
12,41
